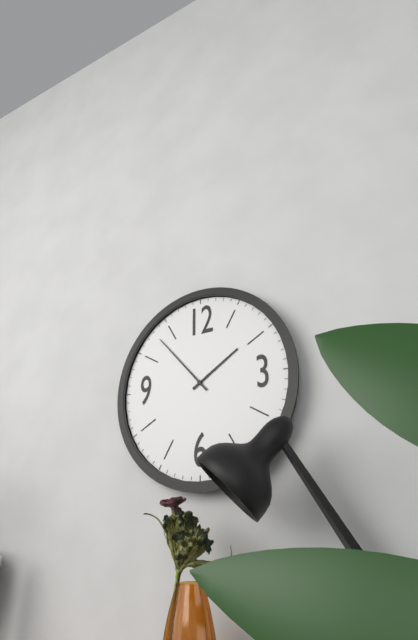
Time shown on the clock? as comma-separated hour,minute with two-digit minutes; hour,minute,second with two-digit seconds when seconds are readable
1,53
